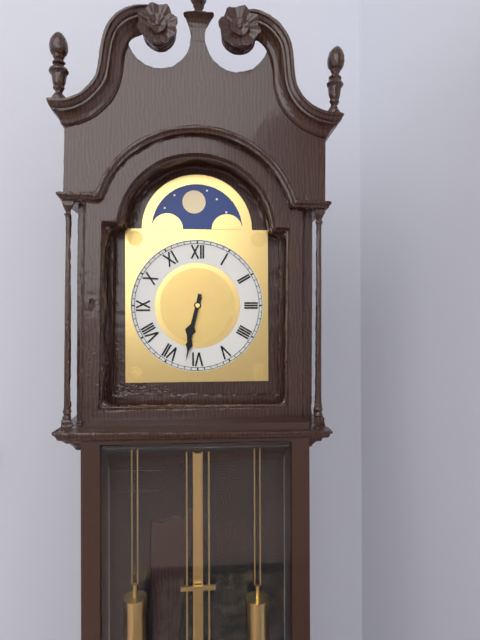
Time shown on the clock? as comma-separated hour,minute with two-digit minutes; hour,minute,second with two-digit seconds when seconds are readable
6,32
